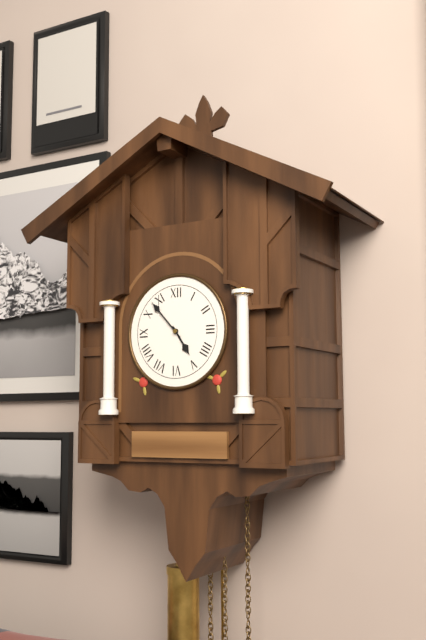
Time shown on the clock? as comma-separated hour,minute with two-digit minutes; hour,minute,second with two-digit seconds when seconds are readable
4,53
